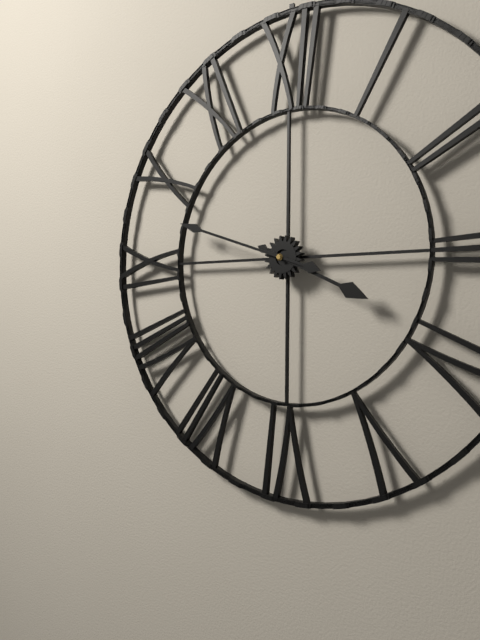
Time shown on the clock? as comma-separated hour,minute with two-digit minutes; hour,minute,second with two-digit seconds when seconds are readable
3,48
